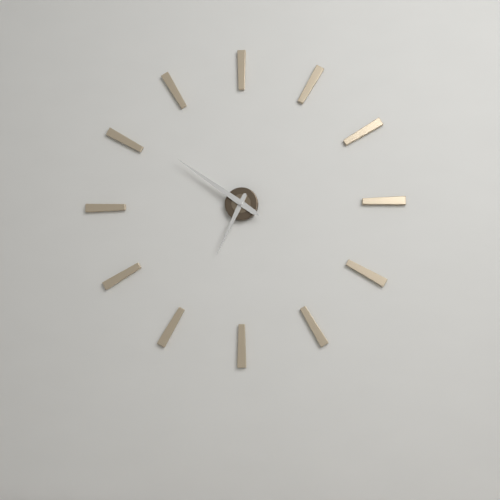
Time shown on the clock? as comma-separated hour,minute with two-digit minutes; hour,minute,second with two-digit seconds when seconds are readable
6,51
